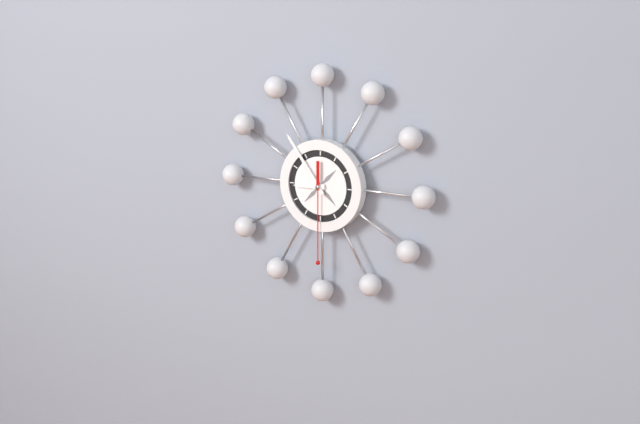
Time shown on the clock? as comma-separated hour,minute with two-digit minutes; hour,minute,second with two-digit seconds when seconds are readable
8,54,30
